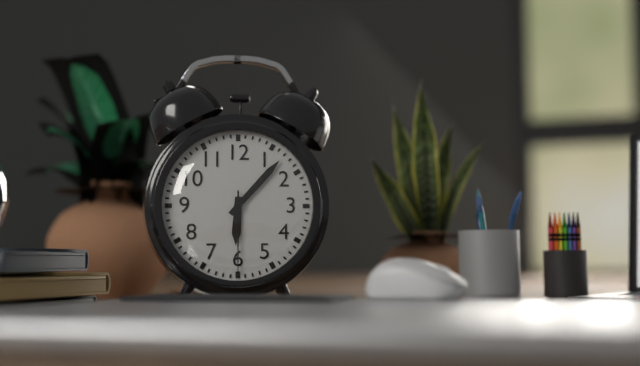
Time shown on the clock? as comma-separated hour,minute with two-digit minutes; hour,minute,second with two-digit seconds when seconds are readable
6,07,30
